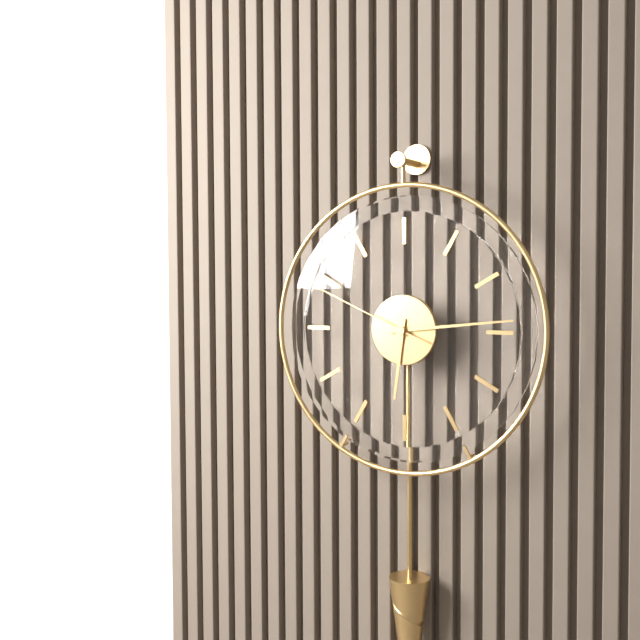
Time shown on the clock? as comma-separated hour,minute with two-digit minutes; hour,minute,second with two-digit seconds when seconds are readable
6,14,49
